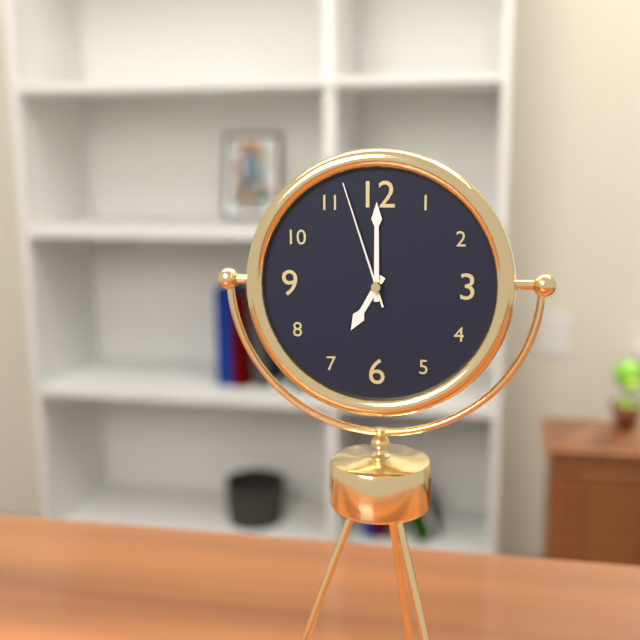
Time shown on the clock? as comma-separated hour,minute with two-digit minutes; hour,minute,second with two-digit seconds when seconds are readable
7,00,57
